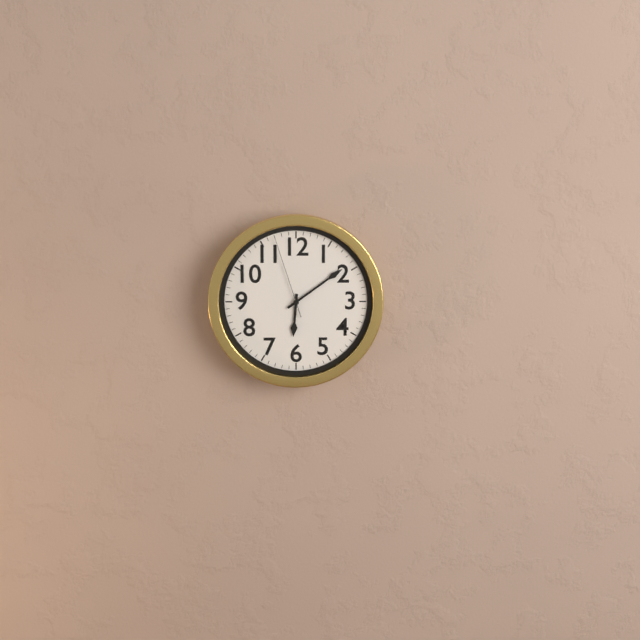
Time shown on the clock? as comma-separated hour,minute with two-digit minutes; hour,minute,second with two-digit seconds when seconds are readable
6,09,57
